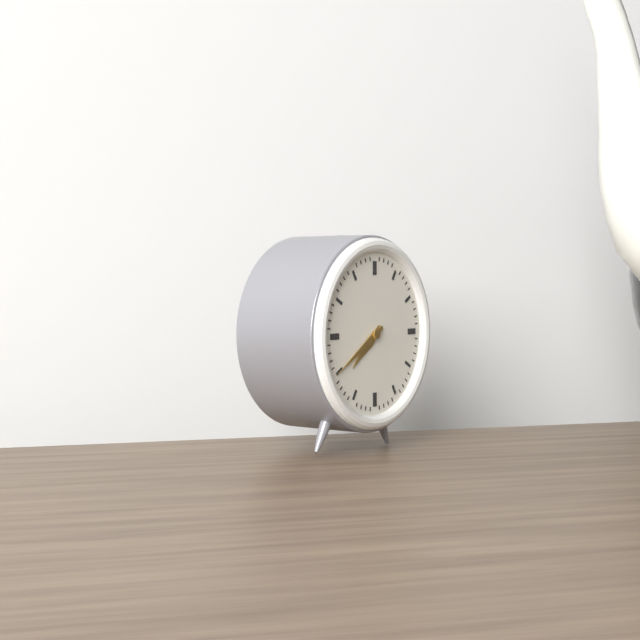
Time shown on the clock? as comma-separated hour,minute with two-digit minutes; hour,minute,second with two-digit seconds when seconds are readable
7,40
